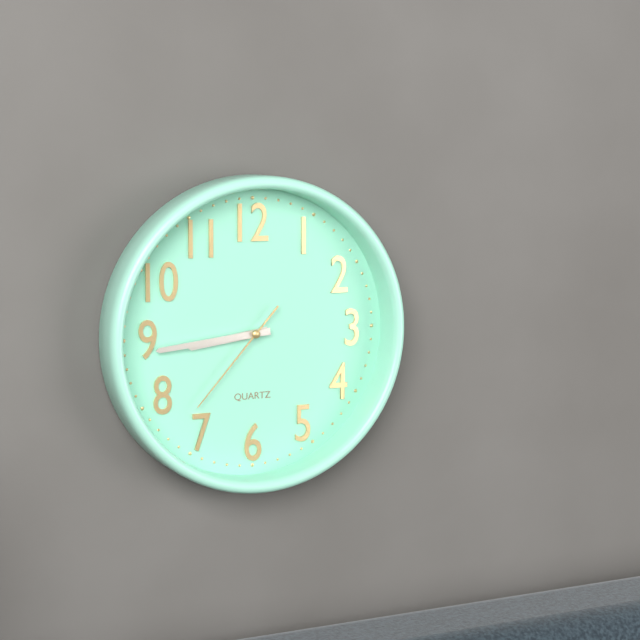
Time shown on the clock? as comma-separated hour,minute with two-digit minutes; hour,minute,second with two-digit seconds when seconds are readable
8,44,37
